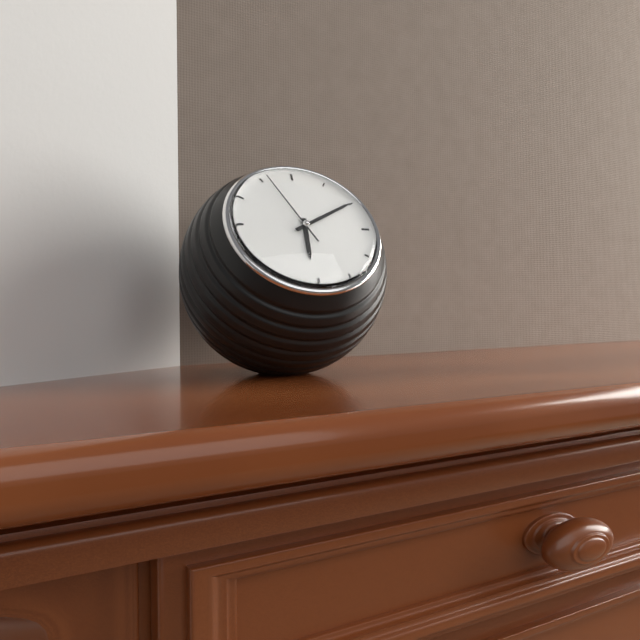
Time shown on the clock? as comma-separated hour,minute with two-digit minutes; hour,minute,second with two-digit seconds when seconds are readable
6,10,56
